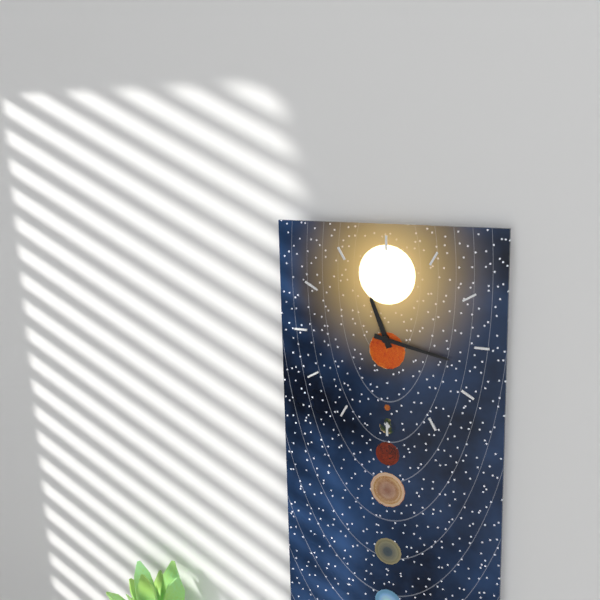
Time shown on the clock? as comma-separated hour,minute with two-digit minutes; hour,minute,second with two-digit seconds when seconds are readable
11,17
